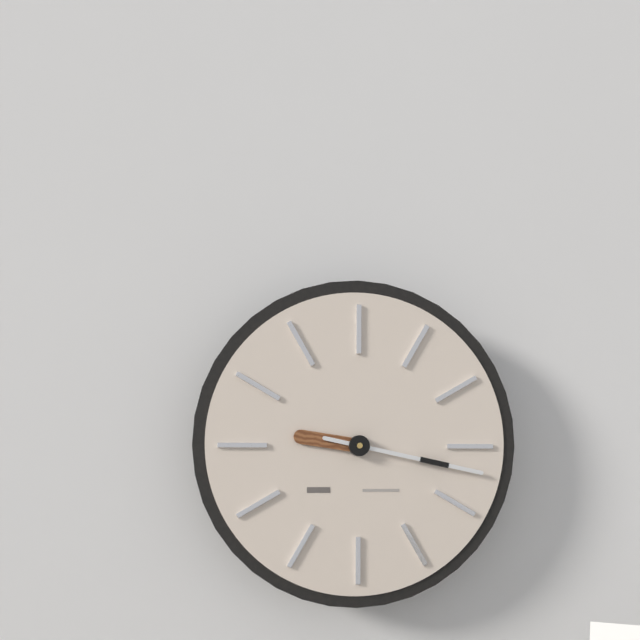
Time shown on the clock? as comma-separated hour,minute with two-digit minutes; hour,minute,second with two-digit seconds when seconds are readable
9,17
